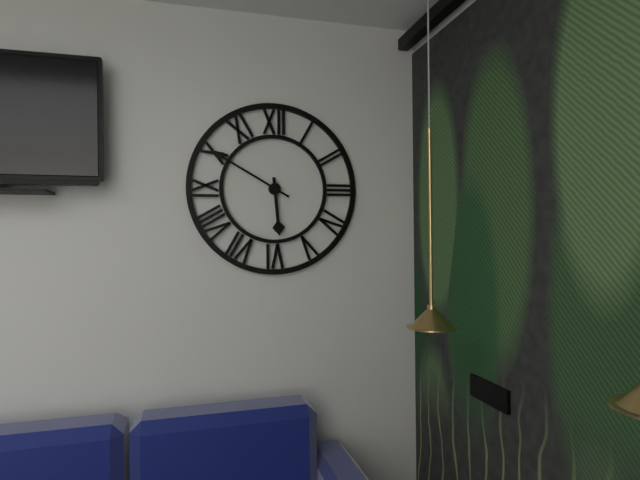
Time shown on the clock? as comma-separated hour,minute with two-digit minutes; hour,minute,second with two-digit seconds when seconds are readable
5,50
